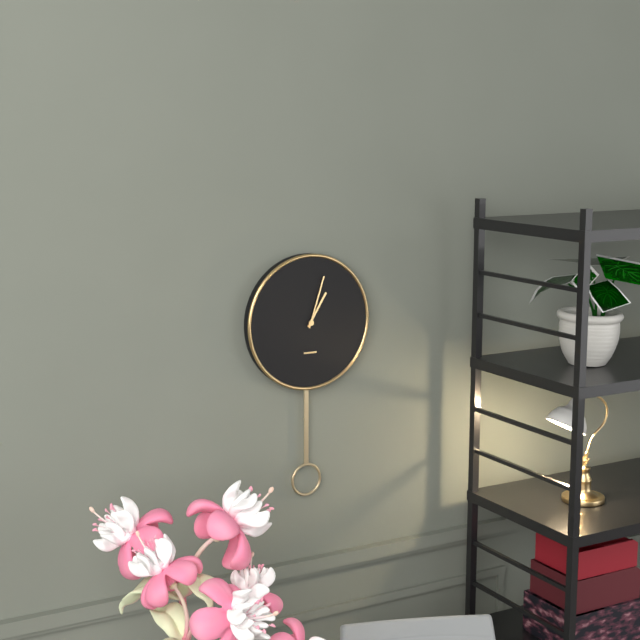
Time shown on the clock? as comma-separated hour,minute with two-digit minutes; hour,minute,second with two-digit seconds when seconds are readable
1,03
